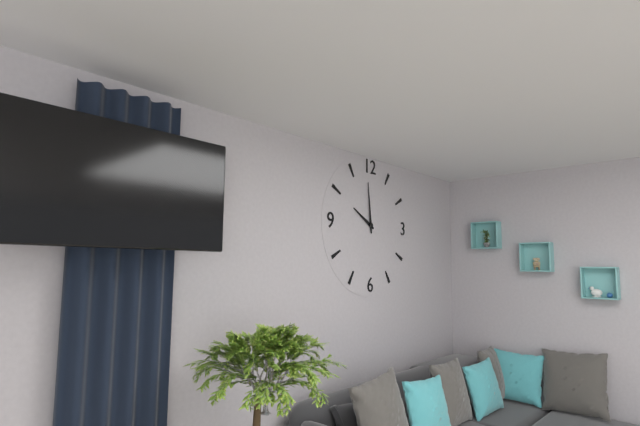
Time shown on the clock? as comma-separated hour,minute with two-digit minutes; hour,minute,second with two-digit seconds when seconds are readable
9,59
